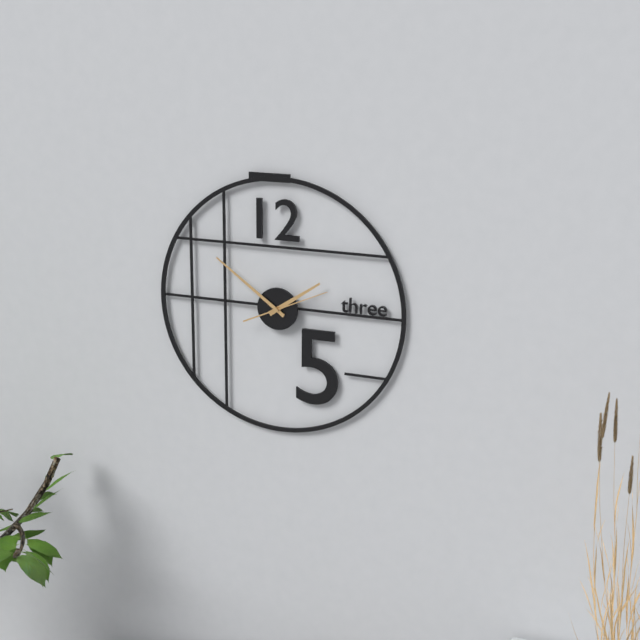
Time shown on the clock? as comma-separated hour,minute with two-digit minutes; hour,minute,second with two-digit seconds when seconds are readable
1,51,11
